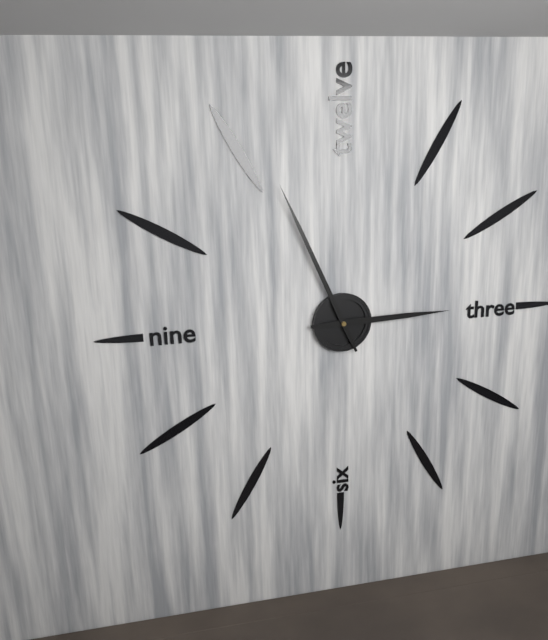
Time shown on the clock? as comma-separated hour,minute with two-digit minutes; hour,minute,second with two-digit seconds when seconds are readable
2,56
